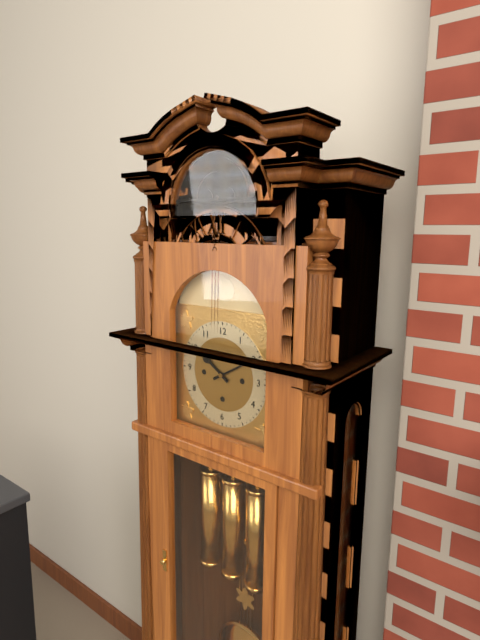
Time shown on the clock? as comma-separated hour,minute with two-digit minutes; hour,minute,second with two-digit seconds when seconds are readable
10,10
